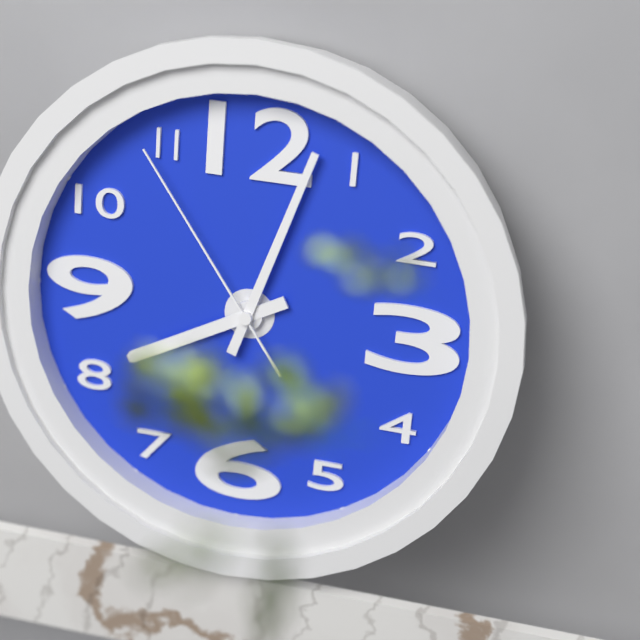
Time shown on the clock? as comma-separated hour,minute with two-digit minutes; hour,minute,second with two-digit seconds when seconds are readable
8,03,54
